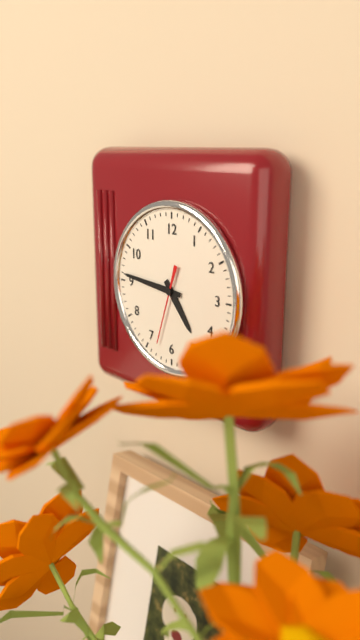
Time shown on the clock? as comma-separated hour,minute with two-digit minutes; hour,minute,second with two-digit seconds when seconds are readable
4,46,33
